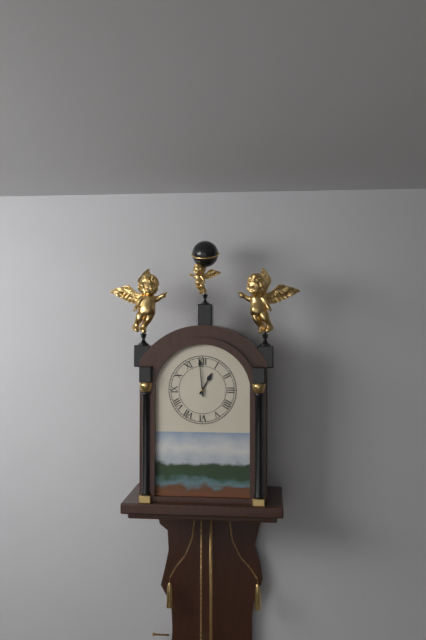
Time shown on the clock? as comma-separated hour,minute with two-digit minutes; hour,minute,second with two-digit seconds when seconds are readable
12,59
